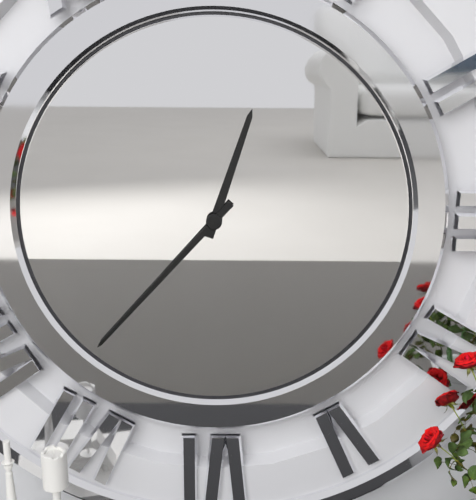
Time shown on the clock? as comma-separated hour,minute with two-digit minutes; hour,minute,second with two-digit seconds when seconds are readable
12,37
